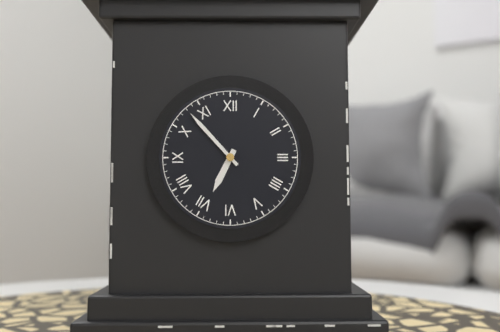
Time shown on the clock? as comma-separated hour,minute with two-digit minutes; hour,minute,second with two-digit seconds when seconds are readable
6,53
